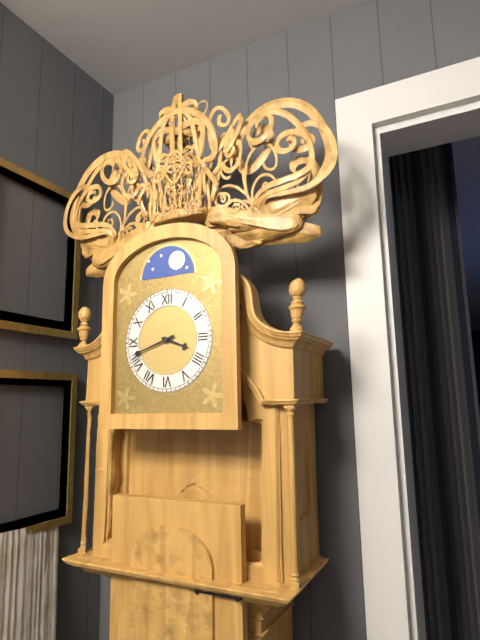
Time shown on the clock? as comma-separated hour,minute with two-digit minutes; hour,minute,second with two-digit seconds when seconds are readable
3,42
